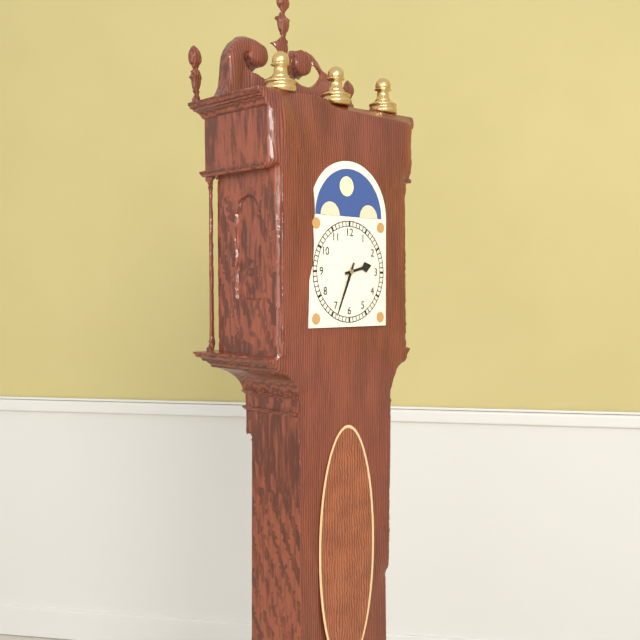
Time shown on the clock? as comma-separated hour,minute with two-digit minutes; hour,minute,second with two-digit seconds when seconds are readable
2,34
